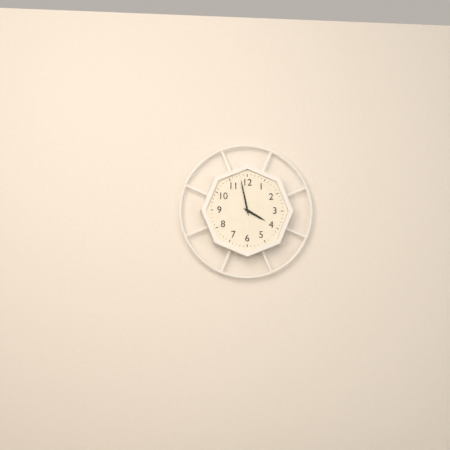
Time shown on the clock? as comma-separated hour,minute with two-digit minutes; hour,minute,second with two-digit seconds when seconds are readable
3,58
